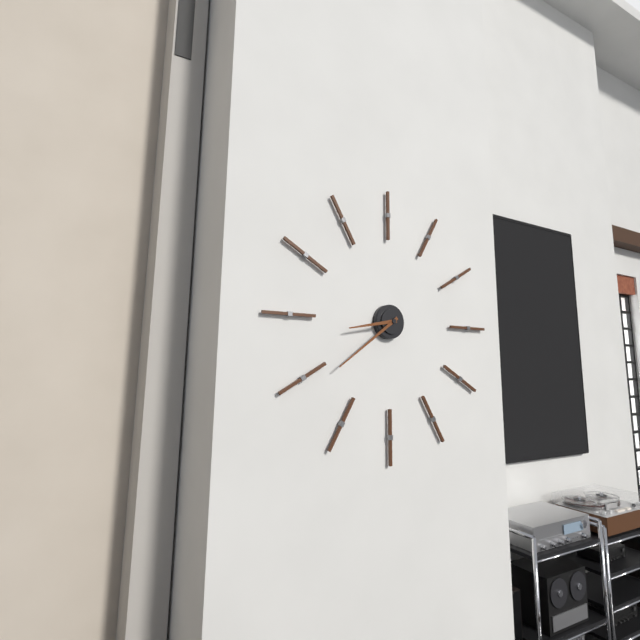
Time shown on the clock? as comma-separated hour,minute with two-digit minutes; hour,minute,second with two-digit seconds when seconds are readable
8,39
